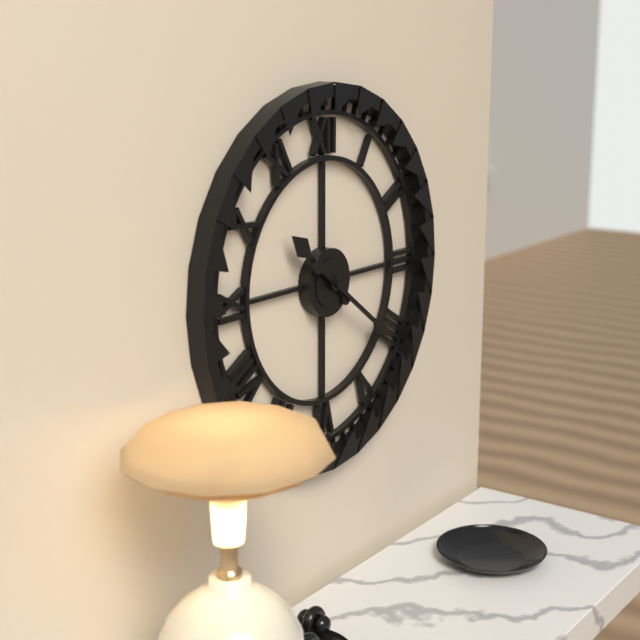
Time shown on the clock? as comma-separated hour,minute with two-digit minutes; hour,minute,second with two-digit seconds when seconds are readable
10,21
